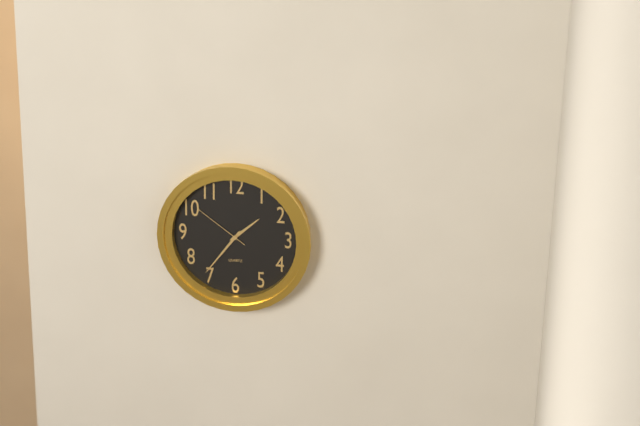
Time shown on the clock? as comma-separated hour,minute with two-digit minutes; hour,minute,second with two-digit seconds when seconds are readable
1,36,51
